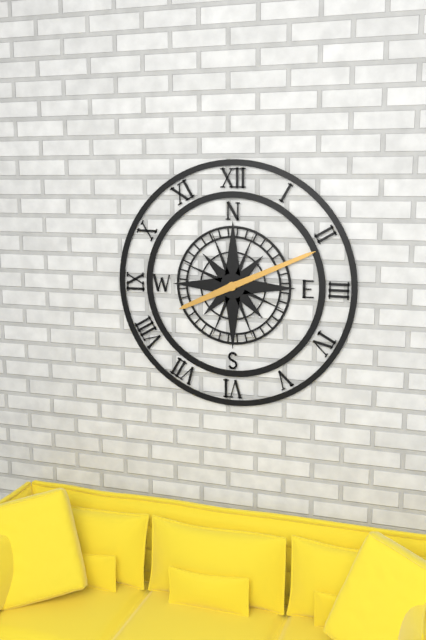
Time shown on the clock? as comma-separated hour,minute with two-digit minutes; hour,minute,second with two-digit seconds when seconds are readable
8,11
